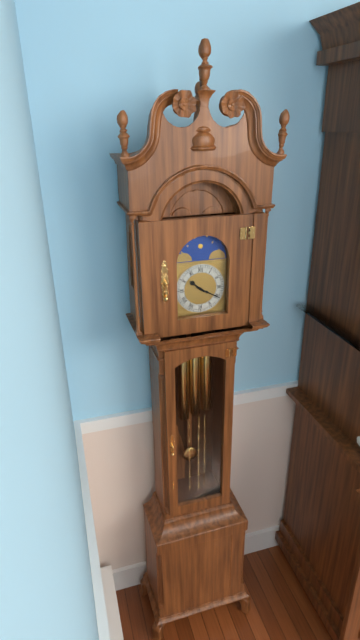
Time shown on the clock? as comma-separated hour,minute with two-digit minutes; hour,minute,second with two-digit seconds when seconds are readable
10,20
